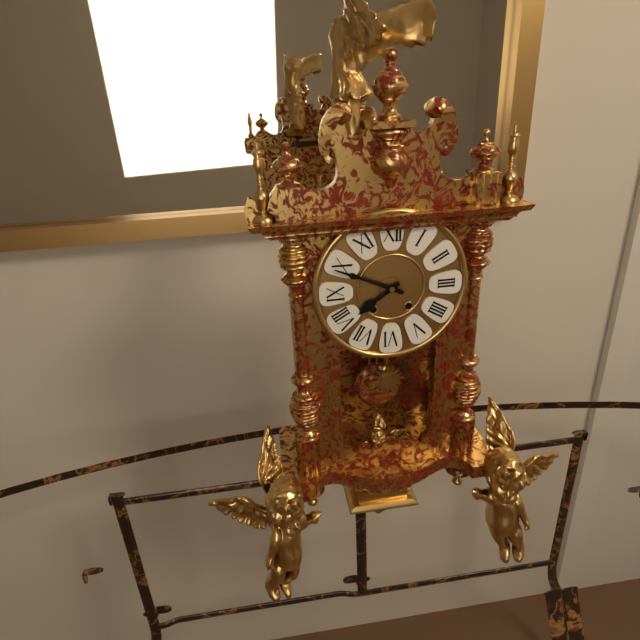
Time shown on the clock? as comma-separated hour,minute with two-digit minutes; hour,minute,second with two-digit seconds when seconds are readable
7,49
